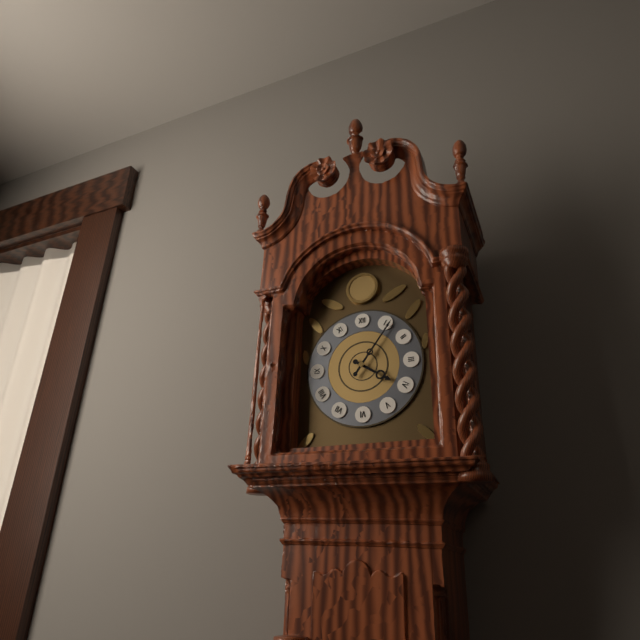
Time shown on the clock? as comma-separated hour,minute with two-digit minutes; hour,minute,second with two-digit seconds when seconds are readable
4,06
